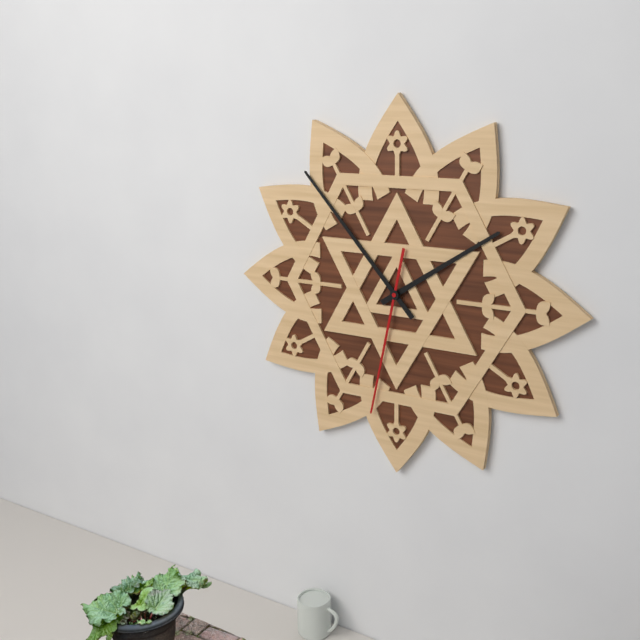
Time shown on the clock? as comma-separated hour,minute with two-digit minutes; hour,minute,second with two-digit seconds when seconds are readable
1,53,32
